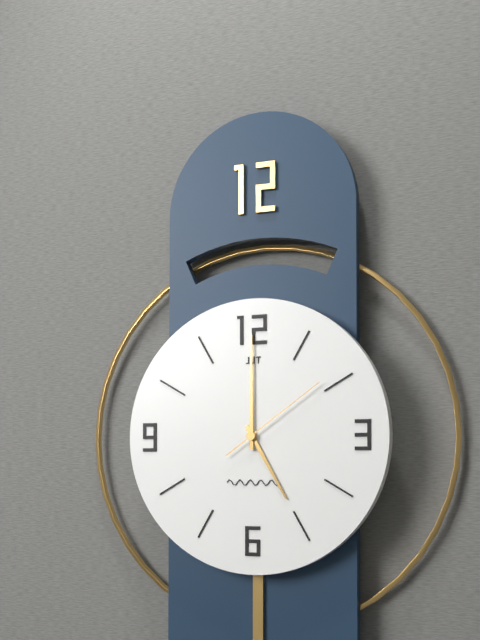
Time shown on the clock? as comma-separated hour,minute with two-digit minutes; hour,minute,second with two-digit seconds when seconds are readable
5,00,09
